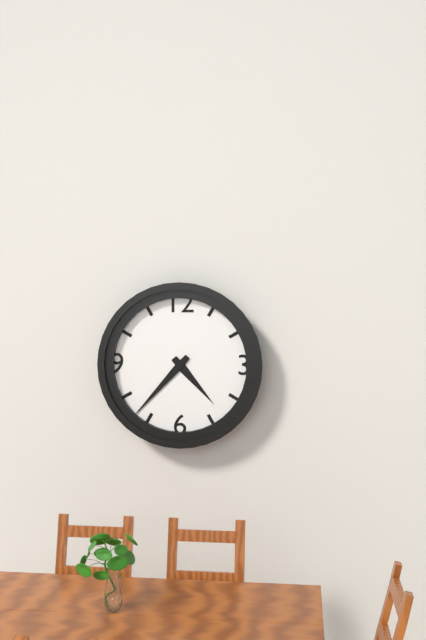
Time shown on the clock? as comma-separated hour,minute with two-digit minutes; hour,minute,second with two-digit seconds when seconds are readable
4,37
